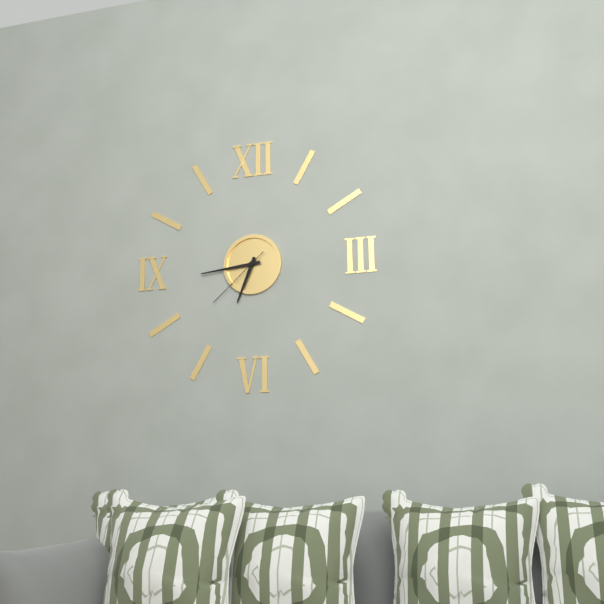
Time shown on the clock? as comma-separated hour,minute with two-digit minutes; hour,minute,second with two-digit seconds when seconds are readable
6,44,38
